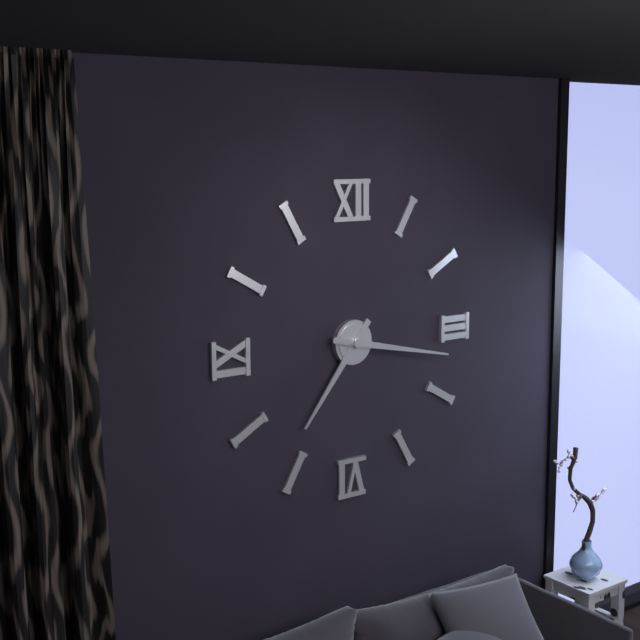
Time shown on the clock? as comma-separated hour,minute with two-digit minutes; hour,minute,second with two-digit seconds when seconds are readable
7,17
